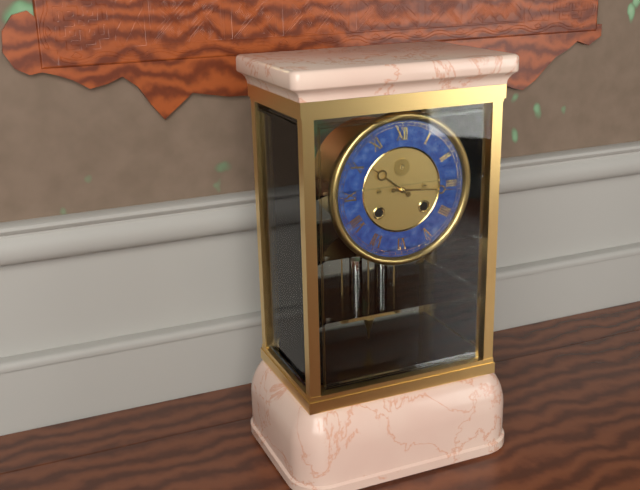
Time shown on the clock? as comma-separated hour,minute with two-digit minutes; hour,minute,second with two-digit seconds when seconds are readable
10,16
